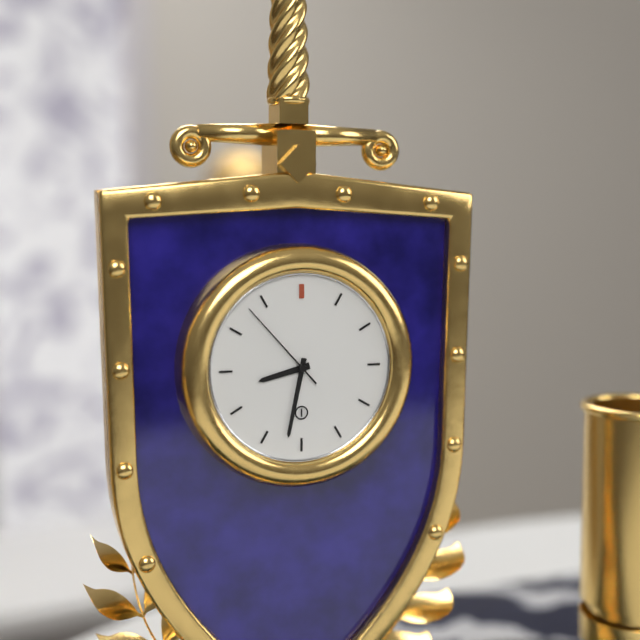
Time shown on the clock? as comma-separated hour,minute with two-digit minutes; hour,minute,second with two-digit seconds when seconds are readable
8,32,53
